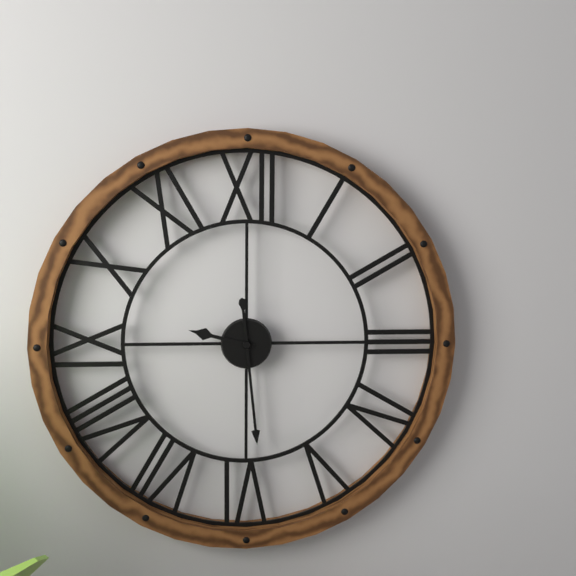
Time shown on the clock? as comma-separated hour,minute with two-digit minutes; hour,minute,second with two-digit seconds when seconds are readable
9,29
